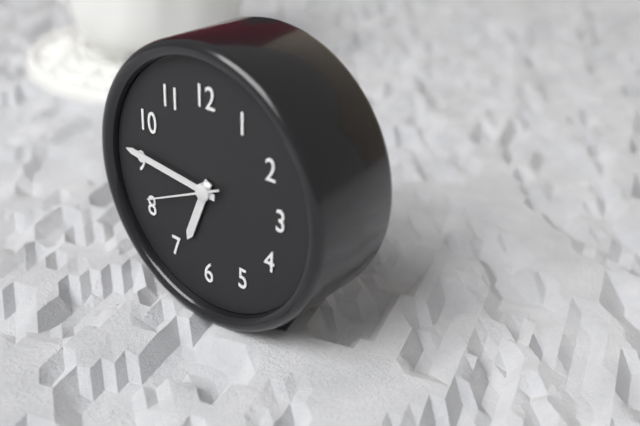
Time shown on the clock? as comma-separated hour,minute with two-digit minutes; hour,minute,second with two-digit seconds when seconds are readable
6,46,41
